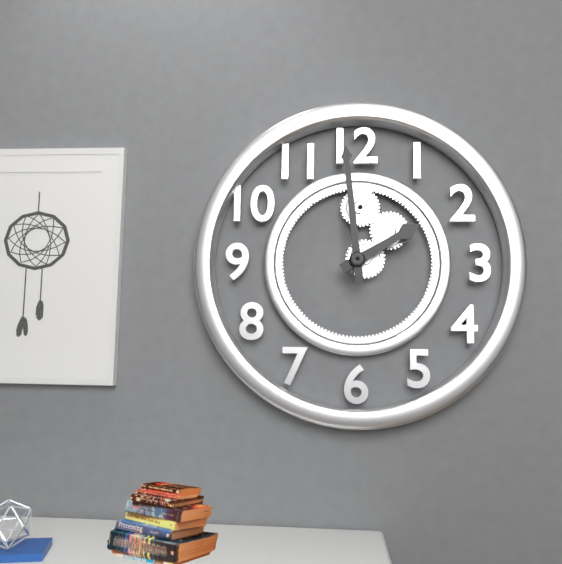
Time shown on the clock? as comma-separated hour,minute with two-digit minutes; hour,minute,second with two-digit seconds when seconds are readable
1,59
